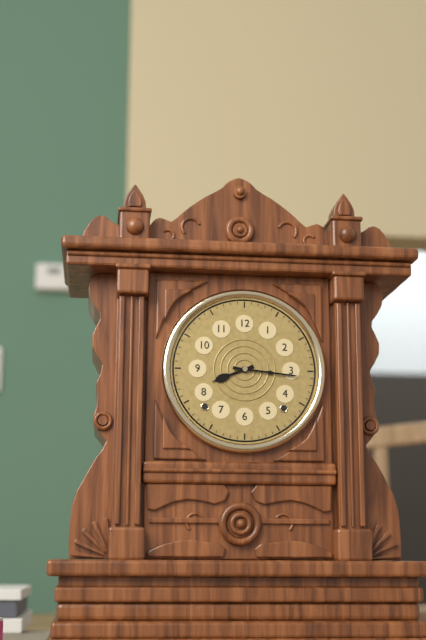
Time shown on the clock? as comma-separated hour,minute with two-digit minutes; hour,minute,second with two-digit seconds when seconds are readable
8,16
